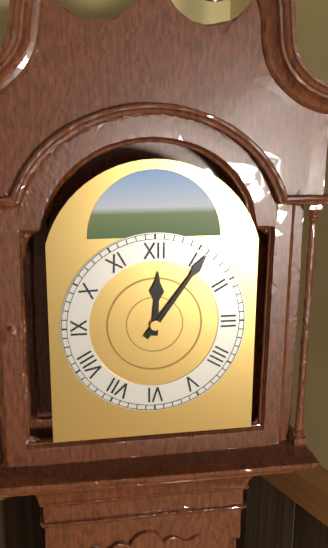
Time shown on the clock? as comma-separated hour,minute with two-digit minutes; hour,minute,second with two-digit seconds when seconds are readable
12,06
